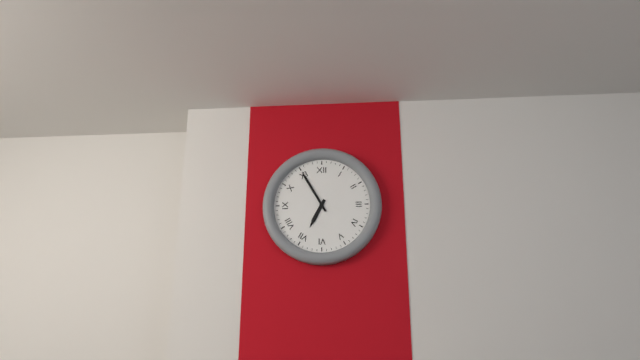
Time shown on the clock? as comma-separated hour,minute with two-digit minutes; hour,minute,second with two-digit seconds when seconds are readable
6,55
